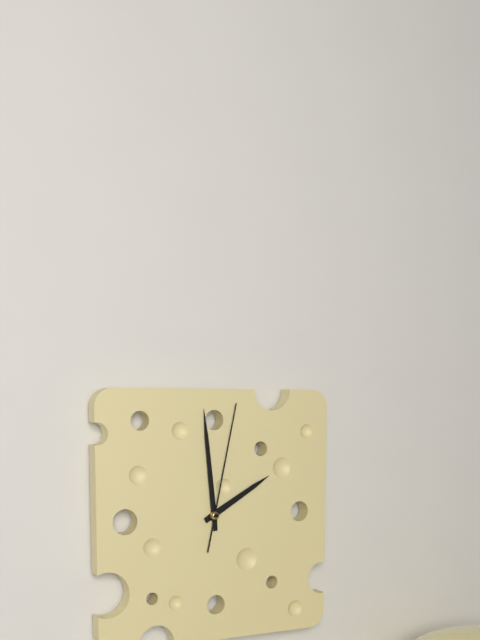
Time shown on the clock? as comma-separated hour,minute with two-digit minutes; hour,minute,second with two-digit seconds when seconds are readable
1,59,02
